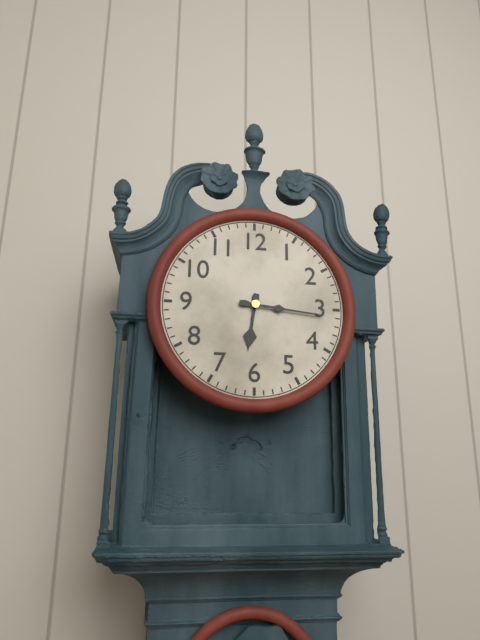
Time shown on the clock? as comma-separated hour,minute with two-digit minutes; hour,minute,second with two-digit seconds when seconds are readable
6,16
